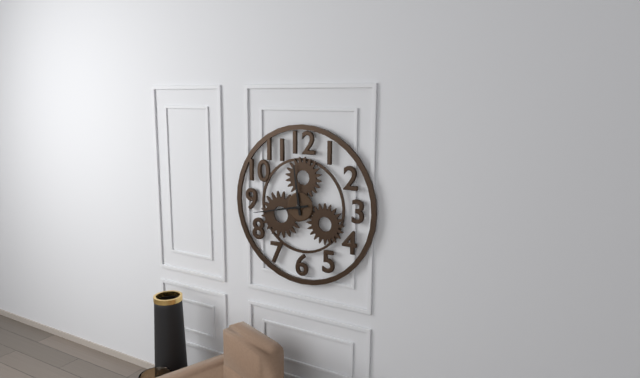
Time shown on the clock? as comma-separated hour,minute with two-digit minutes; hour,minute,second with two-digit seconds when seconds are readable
11,43
